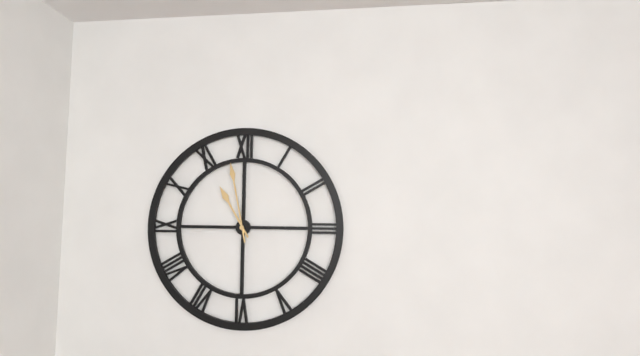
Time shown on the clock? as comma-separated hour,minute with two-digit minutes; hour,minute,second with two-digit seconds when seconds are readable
10,58
